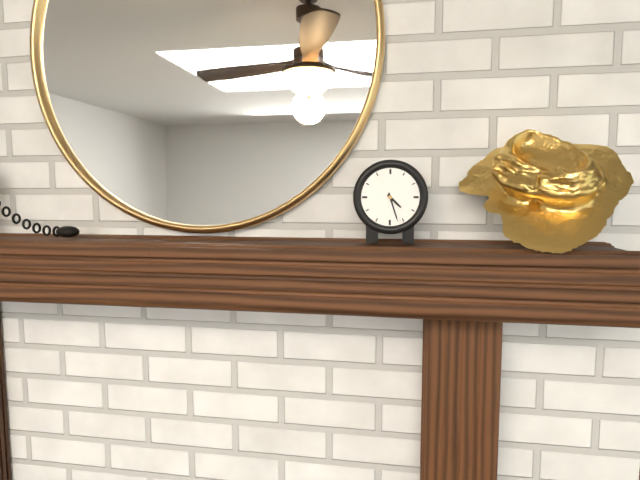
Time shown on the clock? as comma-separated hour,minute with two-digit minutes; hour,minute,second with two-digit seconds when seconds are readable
4,27
